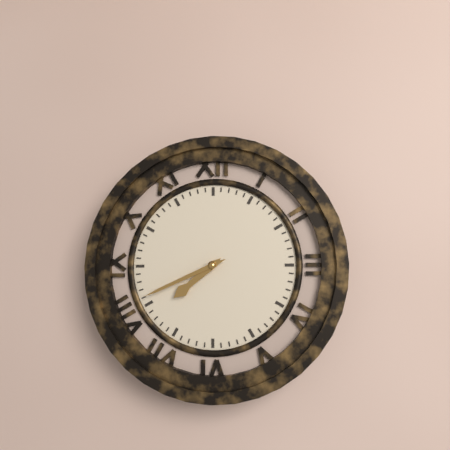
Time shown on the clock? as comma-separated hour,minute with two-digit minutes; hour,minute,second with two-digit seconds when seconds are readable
7,41
